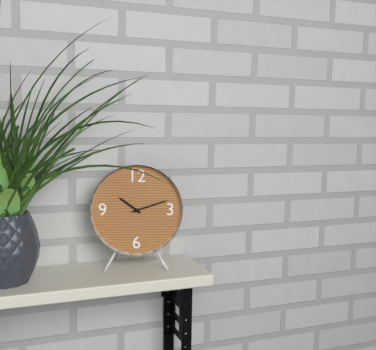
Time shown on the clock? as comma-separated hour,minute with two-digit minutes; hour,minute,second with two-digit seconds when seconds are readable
10,12
